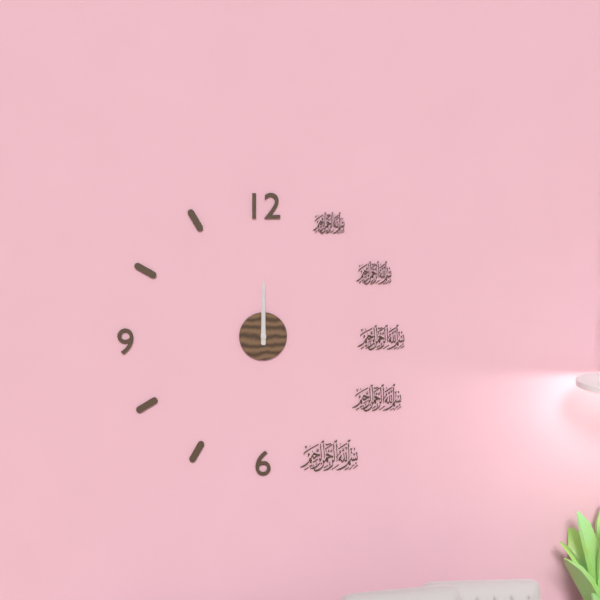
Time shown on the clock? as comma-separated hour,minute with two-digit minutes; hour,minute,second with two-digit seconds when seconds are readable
12,00
